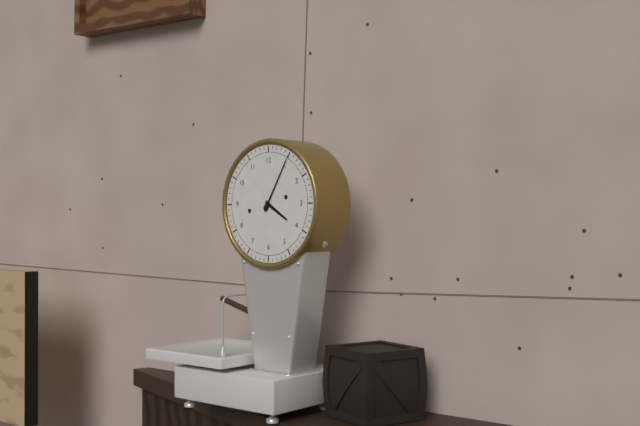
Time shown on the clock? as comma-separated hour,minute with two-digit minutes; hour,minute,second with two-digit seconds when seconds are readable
4,05
